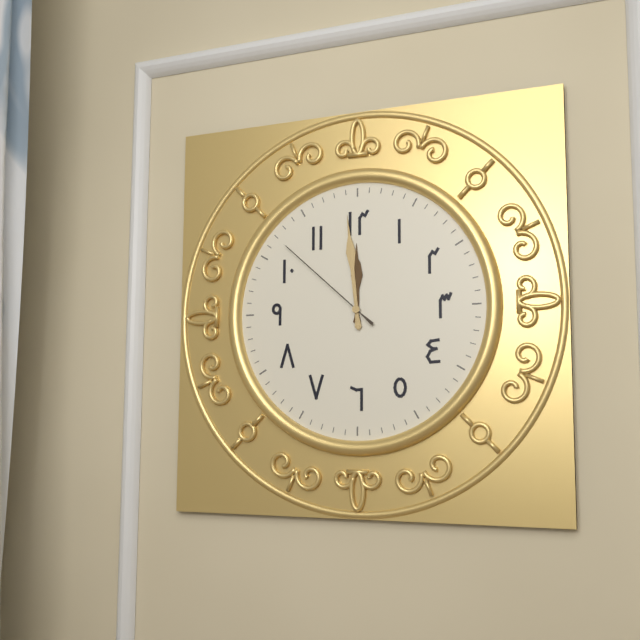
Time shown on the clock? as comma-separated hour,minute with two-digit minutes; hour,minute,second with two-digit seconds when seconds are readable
11,59,52
